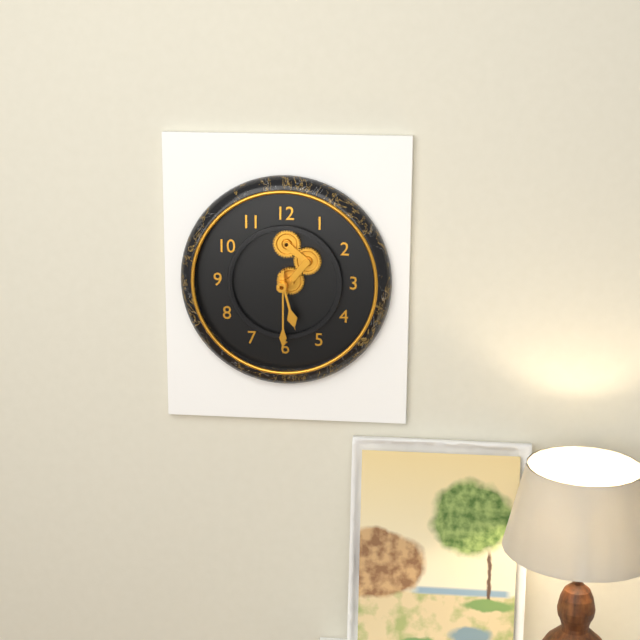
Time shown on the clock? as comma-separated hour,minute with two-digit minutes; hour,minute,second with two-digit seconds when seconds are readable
5,30
